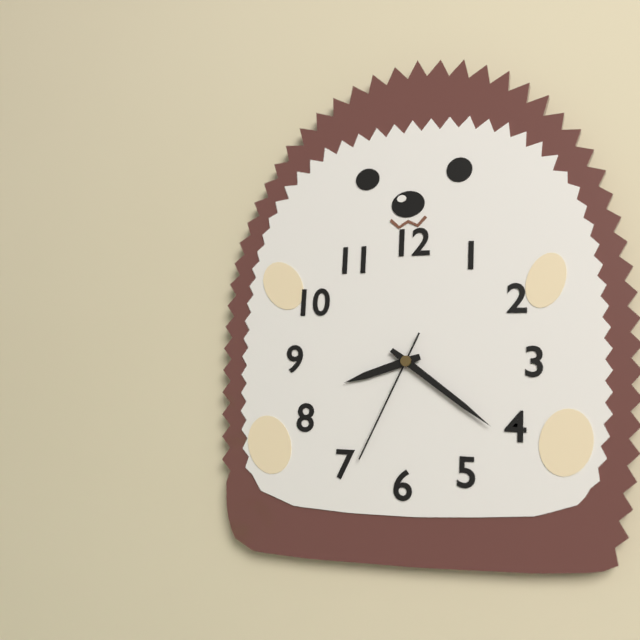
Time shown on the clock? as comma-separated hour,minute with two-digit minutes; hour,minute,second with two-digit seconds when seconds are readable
8,21,34
